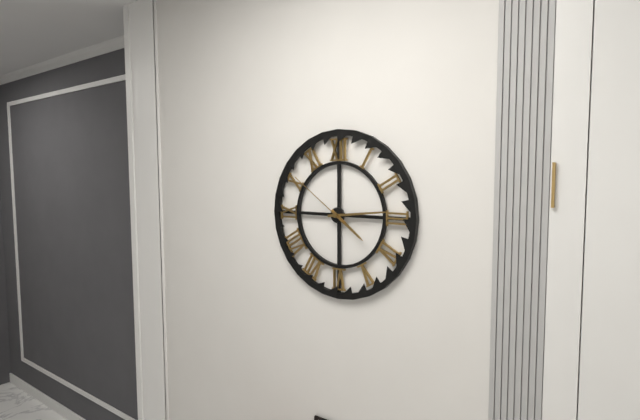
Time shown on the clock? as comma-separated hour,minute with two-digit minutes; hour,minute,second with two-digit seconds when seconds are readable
4,14,51
